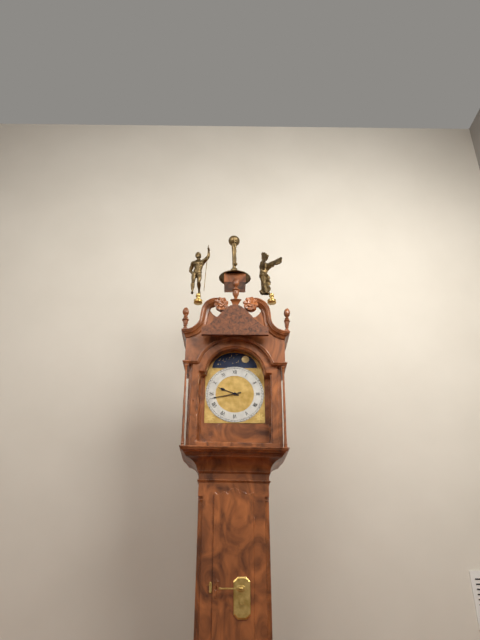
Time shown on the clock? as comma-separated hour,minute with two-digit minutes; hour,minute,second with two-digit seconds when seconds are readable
9,43
